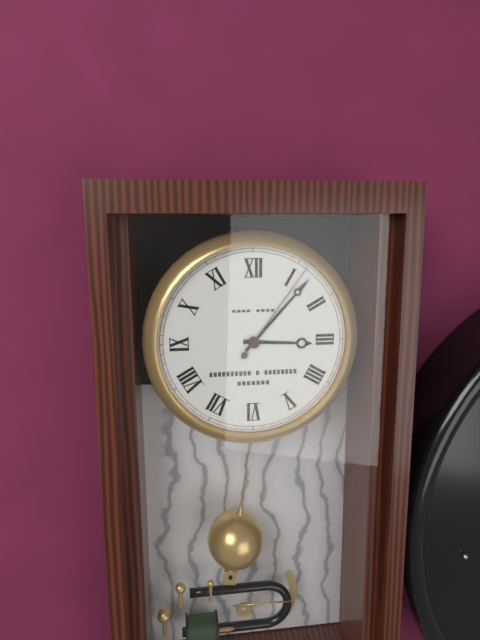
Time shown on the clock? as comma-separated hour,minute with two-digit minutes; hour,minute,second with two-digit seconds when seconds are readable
3,07,06
